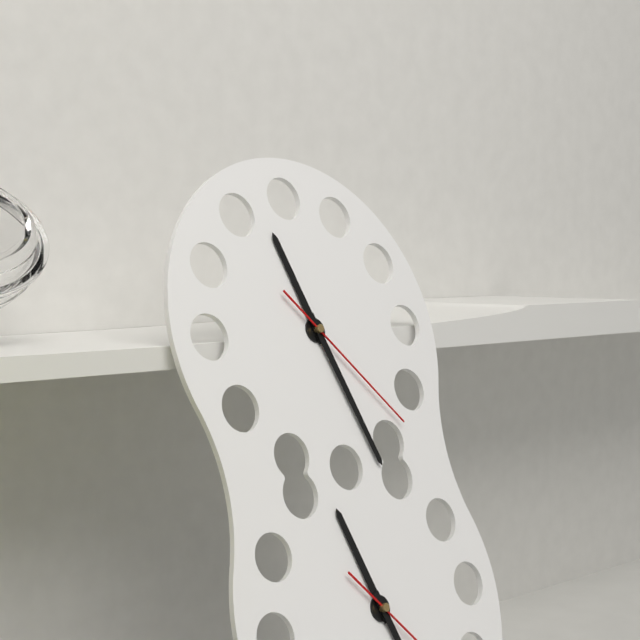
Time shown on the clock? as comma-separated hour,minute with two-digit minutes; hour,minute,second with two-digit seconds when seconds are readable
11,27,23
